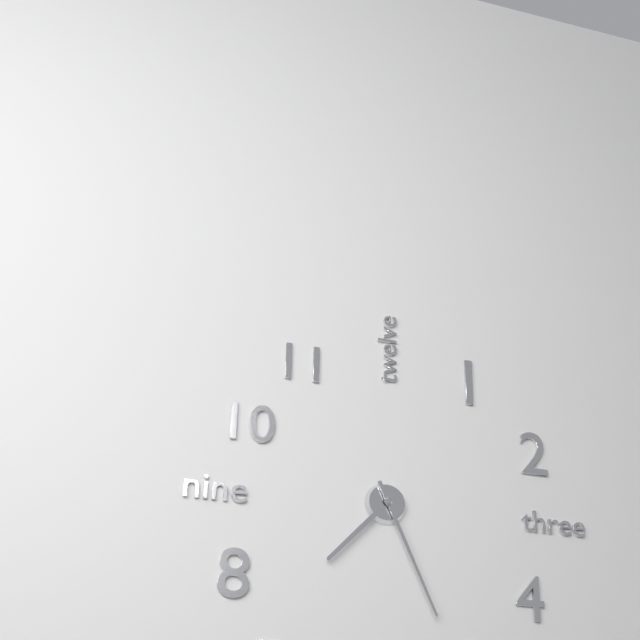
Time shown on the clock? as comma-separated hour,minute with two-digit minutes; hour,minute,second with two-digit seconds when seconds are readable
7,26
